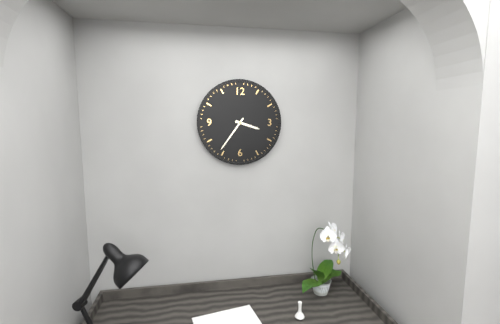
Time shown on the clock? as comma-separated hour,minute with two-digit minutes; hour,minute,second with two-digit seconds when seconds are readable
3,36
